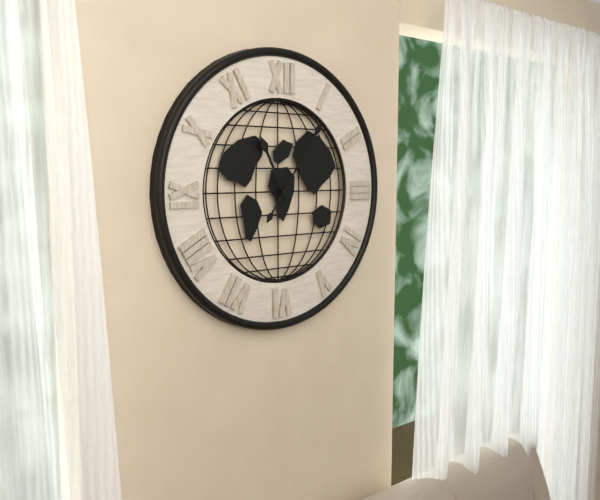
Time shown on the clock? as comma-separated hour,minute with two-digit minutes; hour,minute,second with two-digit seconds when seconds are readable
11,06
